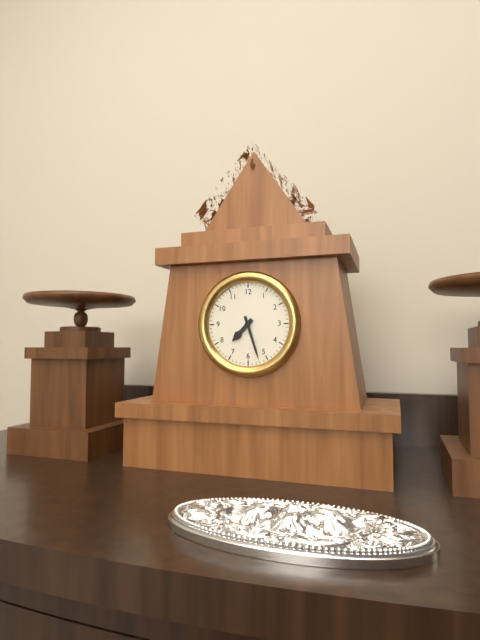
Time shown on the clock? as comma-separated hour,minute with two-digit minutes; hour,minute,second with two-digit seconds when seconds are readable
7,27
